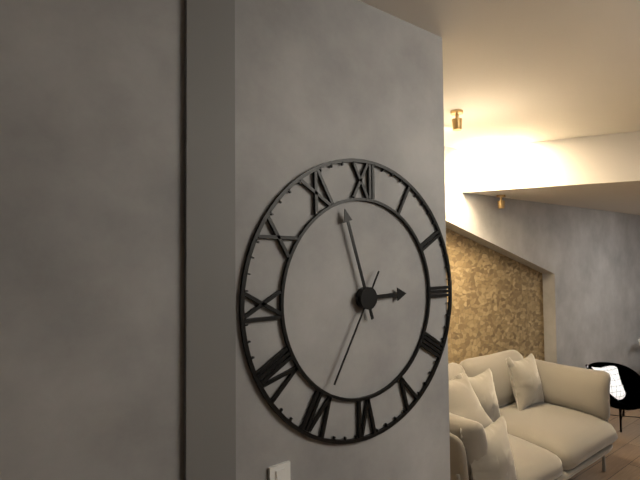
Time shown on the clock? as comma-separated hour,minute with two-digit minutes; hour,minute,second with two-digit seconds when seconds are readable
2,57,35
